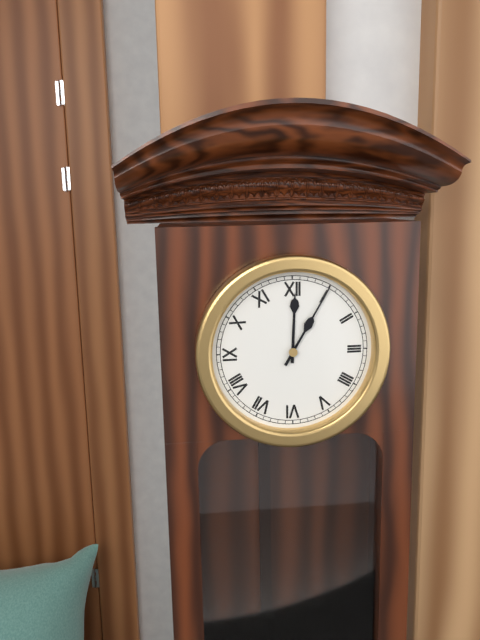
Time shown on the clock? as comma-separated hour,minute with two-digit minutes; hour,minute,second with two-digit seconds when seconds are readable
12,05
